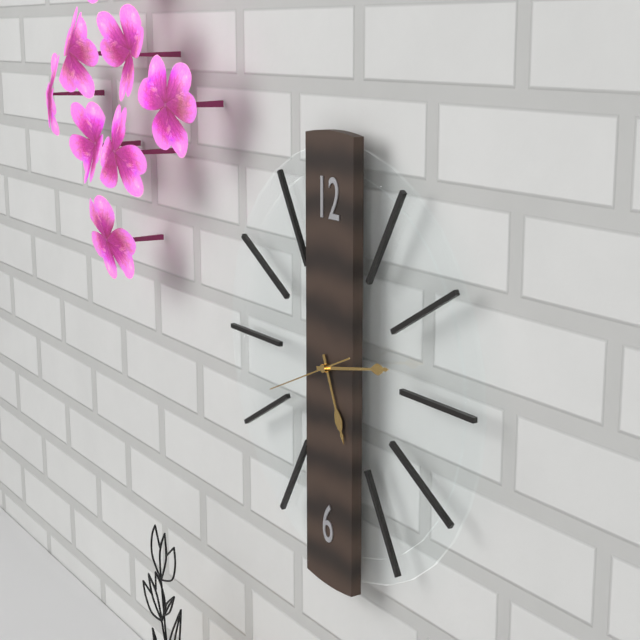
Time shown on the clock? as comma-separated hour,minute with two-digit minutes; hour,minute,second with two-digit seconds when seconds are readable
5,13,41
